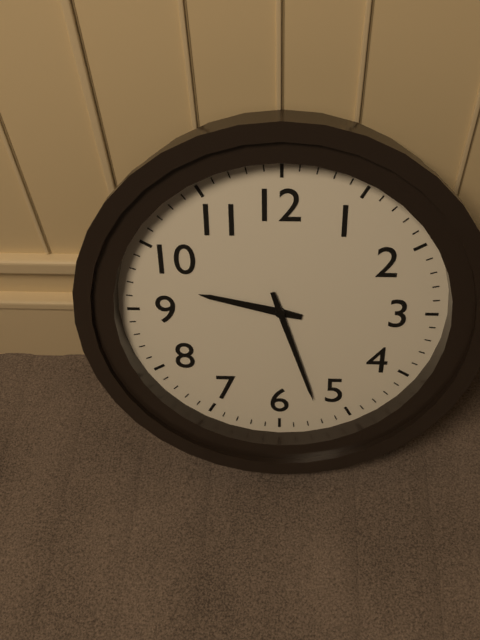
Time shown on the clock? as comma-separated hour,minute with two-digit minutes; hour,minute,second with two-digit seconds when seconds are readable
9,27
